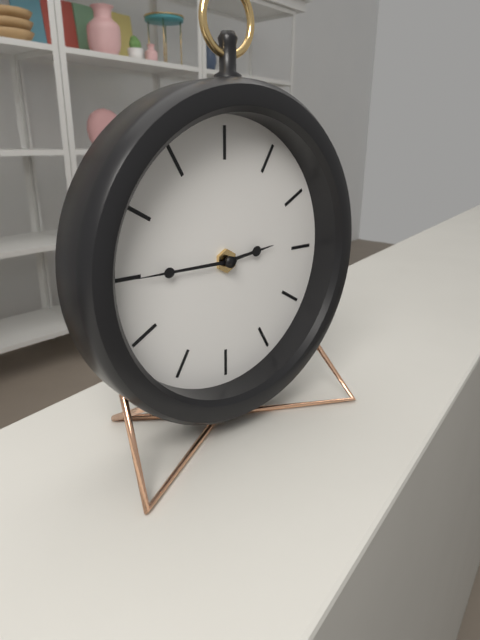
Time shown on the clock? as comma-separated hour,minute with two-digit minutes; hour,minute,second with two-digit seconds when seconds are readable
2,45
